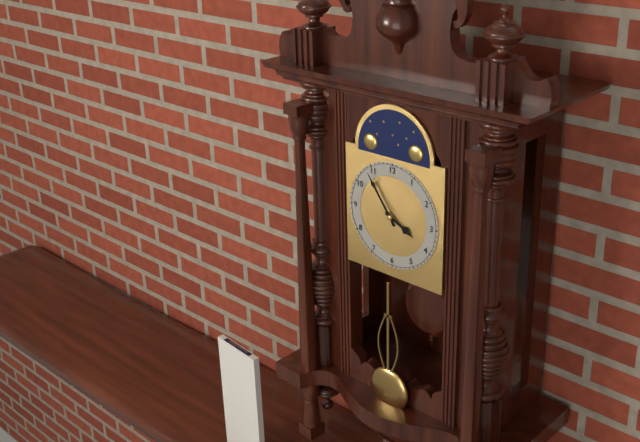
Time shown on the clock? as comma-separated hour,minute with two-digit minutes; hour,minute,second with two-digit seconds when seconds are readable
3,54
